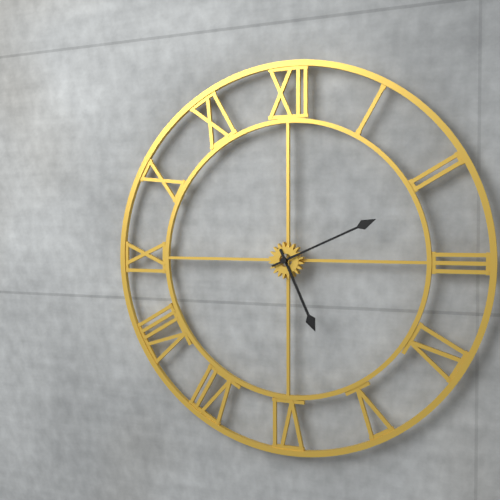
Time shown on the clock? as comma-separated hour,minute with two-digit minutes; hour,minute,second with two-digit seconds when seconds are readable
5,11
